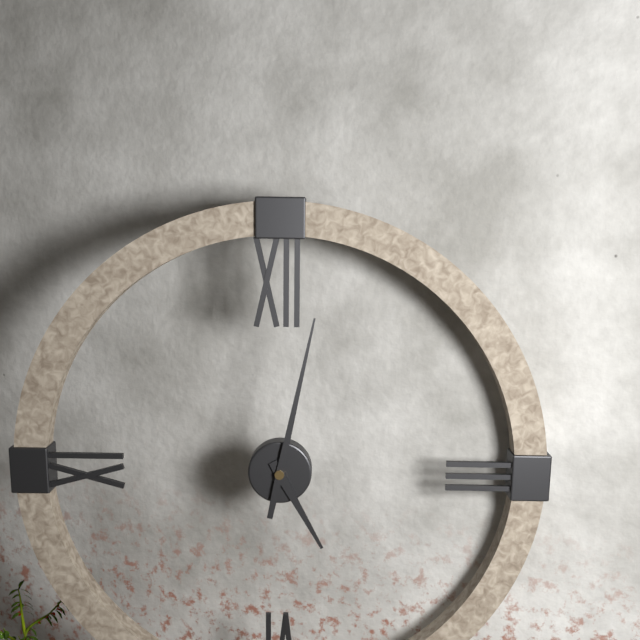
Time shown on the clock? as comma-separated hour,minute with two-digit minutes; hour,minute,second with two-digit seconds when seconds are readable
5,02
